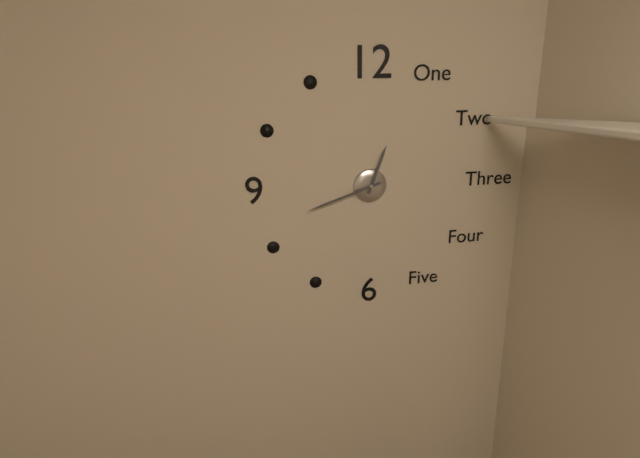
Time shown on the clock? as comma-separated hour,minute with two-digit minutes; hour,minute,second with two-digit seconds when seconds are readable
12,42
